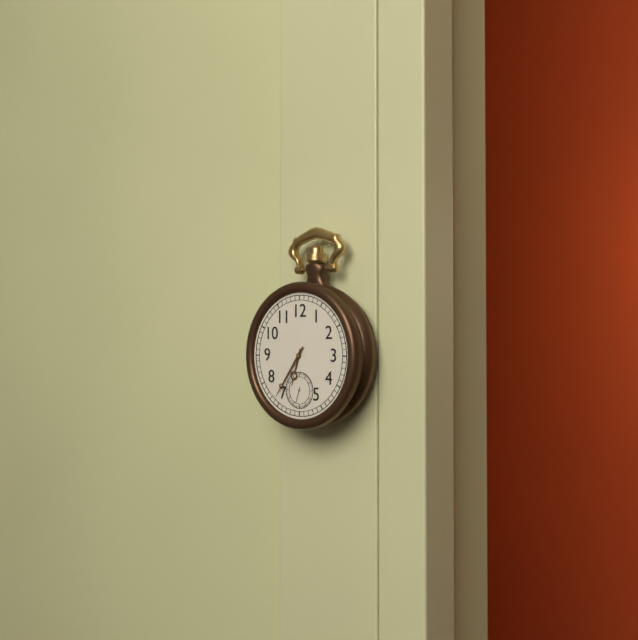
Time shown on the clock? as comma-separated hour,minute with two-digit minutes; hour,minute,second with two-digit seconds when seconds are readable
6,36
